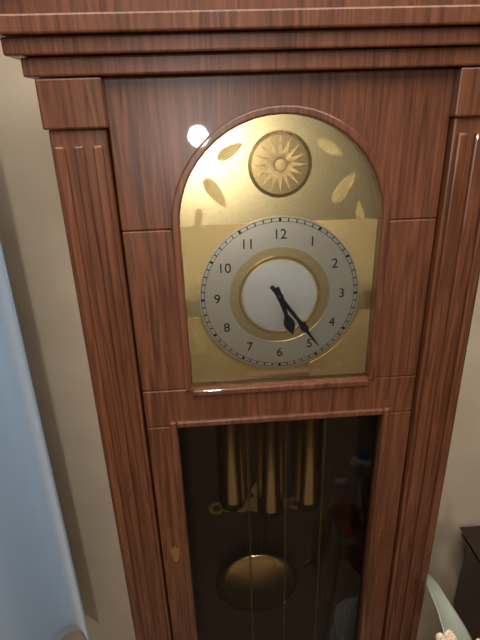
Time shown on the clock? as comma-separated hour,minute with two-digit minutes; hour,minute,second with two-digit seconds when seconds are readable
5,24
